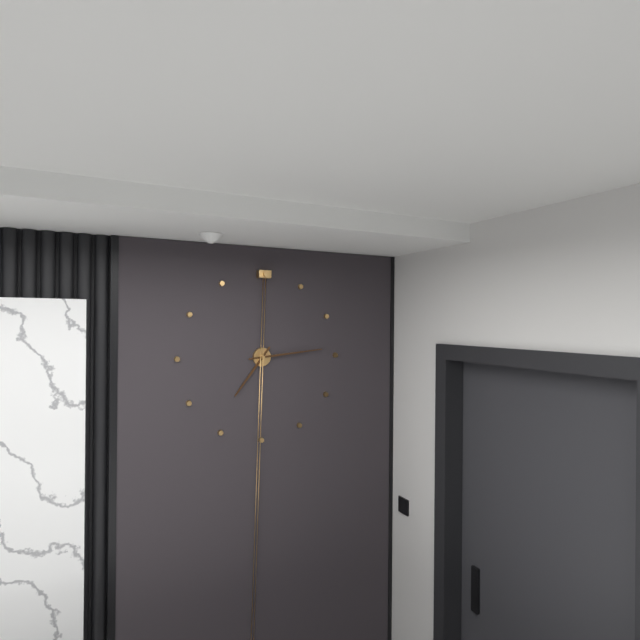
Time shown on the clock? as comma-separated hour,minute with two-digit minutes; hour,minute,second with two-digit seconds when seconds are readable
7,14
